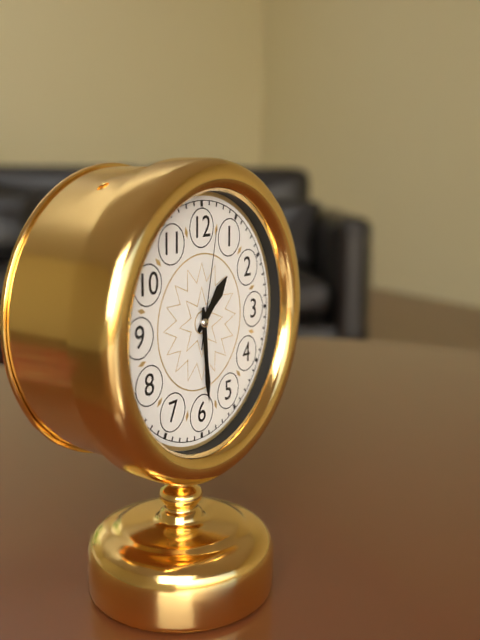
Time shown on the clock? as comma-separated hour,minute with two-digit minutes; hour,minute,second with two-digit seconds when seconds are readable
1,29,02
